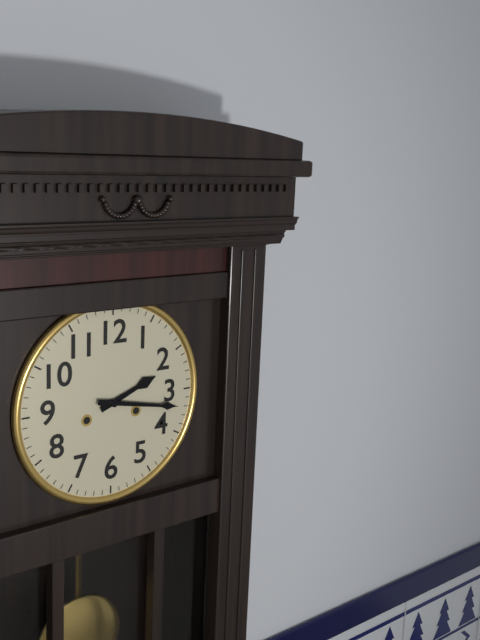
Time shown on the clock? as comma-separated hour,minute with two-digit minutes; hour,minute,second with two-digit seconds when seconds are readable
2,17
